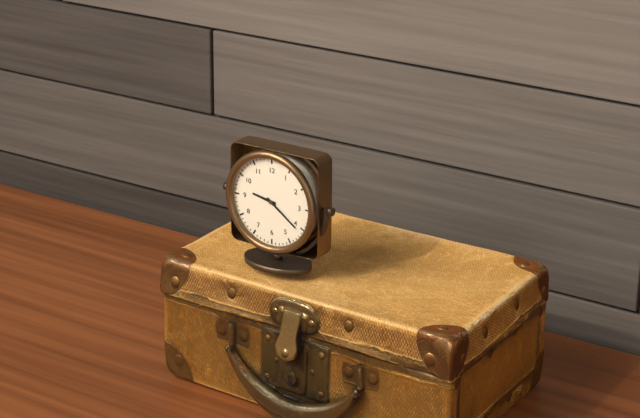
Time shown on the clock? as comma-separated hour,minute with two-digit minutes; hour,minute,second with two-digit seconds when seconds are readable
9,21
